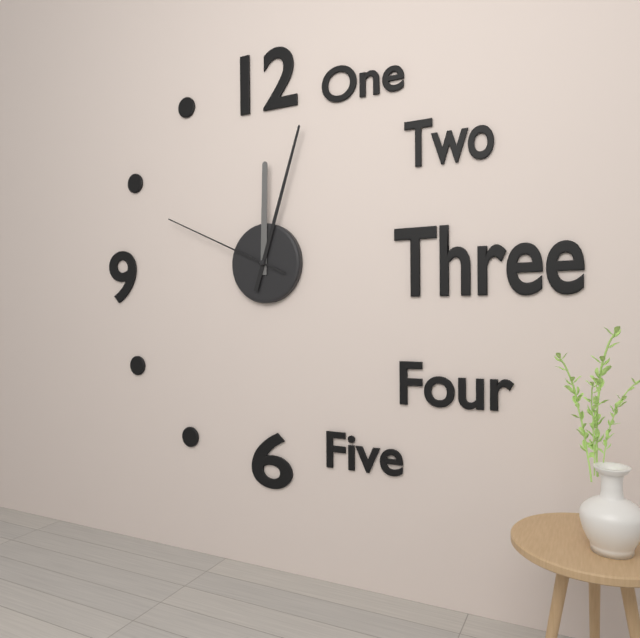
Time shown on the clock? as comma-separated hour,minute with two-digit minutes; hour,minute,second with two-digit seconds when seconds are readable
12,03,49
